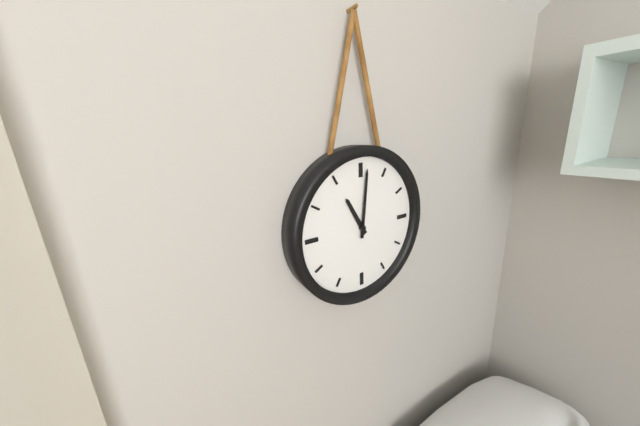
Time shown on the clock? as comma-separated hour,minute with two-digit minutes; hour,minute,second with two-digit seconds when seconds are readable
11,01
